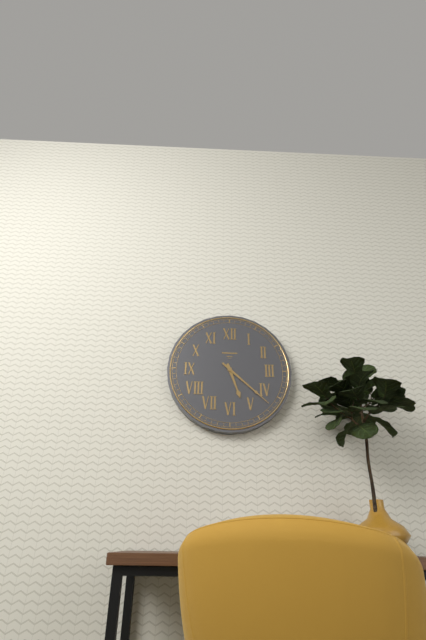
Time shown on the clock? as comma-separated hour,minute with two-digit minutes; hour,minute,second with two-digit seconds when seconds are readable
5,22
